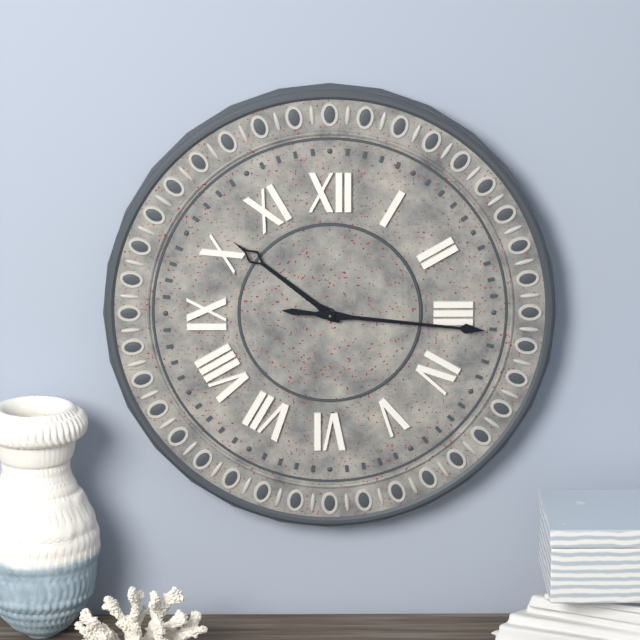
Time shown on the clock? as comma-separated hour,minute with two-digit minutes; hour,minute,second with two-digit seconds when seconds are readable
10,16
